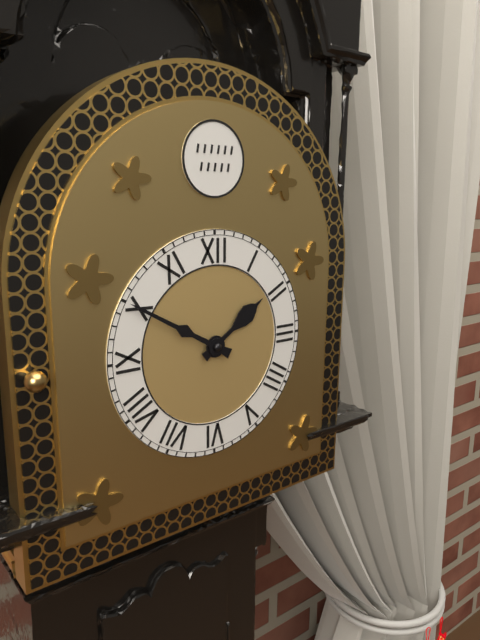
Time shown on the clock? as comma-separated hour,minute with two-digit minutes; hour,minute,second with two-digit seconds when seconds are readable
1,50
